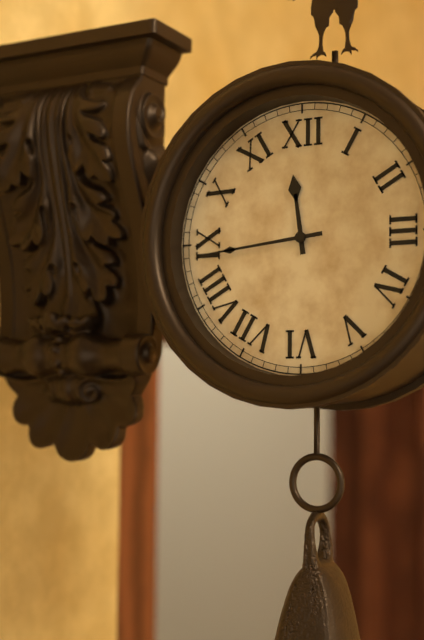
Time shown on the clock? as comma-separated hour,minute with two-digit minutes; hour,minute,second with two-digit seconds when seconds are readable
11,44
